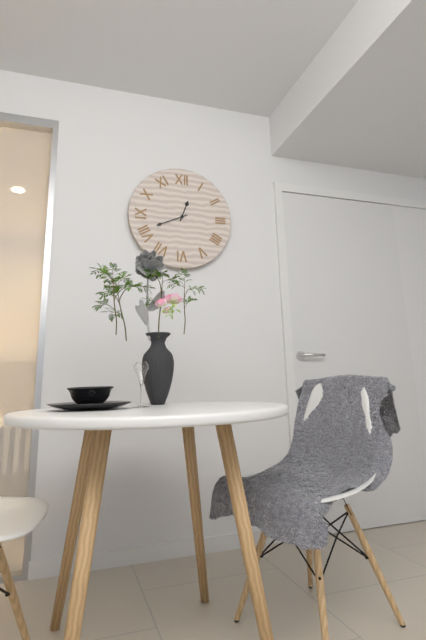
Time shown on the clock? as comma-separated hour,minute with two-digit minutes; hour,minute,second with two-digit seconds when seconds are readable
12,41
